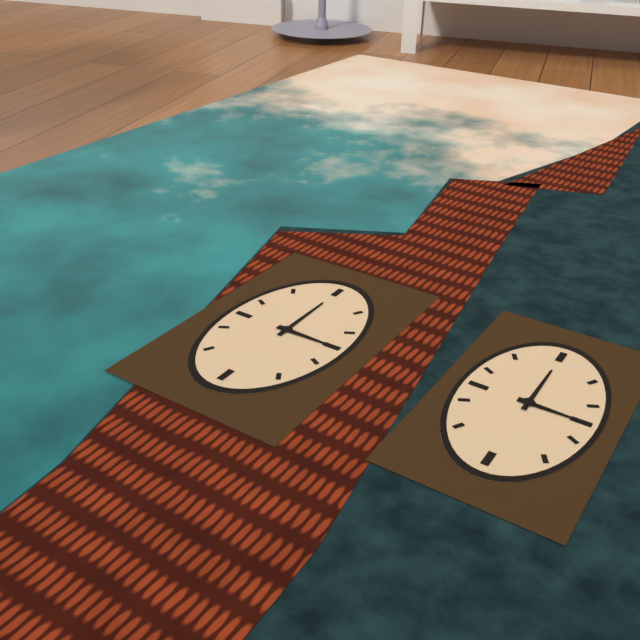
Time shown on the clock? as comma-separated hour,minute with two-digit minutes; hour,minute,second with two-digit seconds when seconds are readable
3,00
